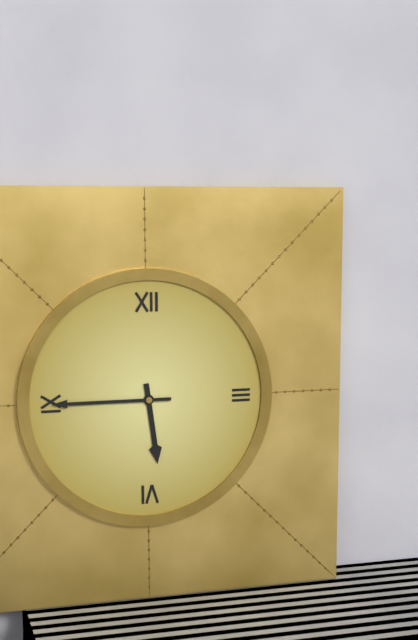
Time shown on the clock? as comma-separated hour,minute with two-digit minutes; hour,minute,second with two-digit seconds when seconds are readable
5,45
